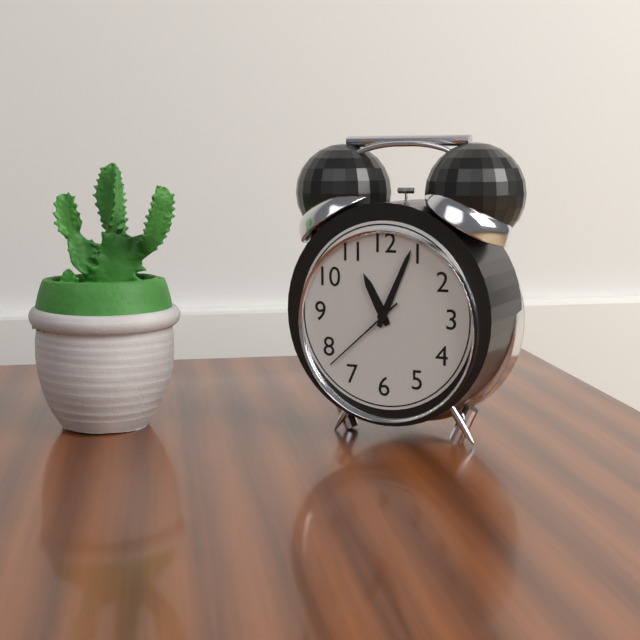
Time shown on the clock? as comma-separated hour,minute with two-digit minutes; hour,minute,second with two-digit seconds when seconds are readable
11,04,38
